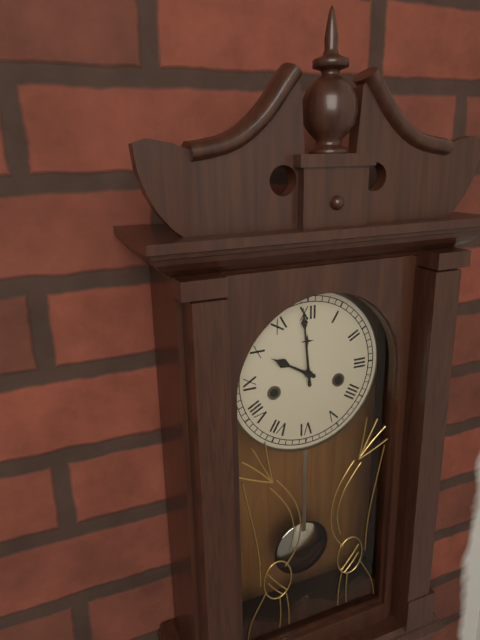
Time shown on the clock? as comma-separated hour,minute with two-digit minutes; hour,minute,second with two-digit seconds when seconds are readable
9,59
